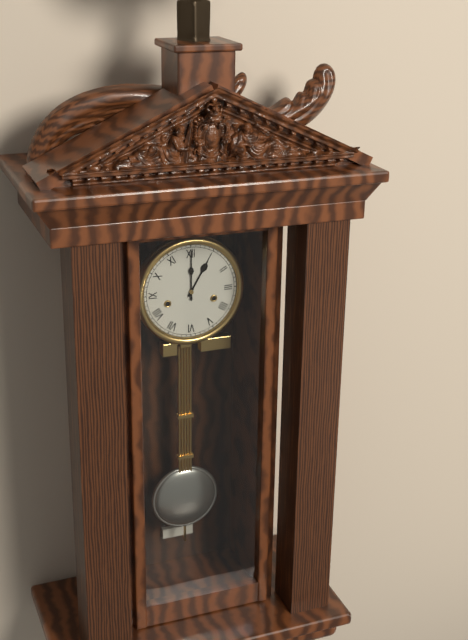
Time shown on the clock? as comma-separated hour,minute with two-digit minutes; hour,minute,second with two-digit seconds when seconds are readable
1,00
